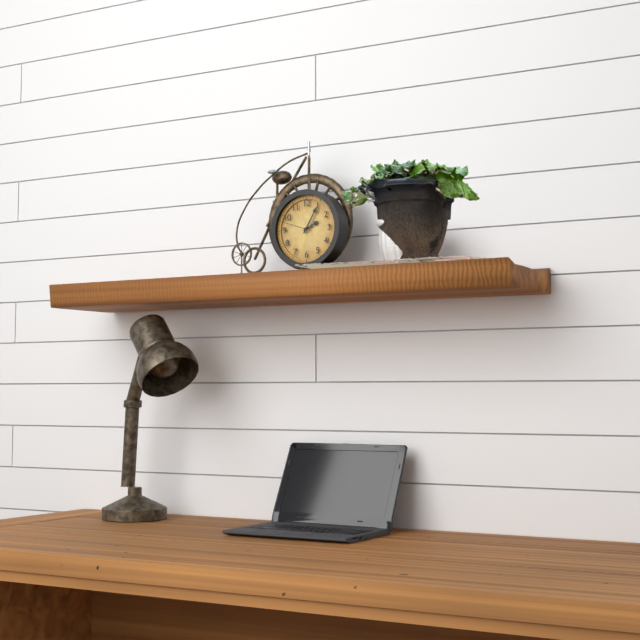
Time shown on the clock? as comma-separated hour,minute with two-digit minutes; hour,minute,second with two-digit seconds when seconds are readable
2,05
